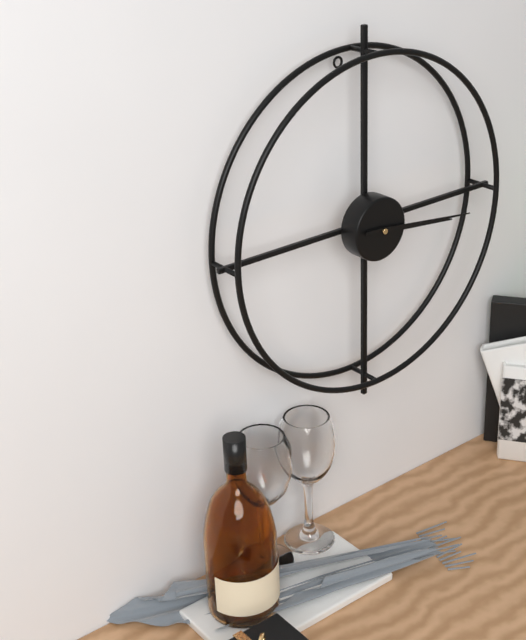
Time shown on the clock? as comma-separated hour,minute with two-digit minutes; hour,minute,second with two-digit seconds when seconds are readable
3,16
